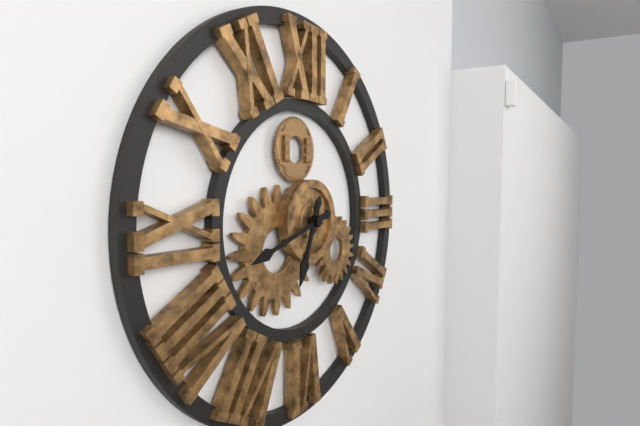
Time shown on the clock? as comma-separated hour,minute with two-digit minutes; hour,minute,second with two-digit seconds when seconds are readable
6,42
